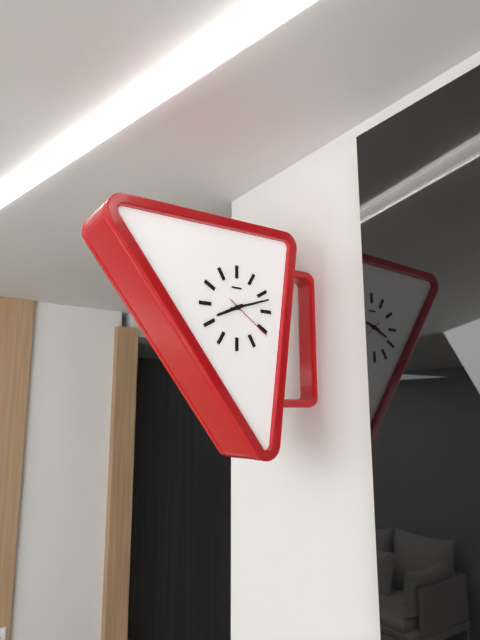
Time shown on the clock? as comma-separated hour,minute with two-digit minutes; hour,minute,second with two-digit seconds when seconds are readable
8,12,21
